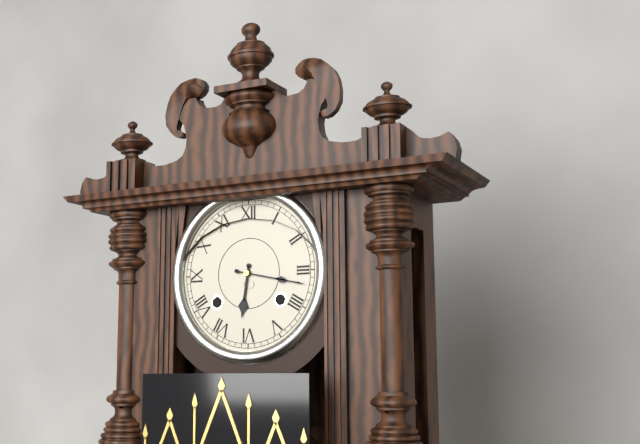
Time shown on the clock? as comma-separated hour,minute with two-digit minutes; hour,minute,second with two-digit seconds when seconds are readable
6,17
